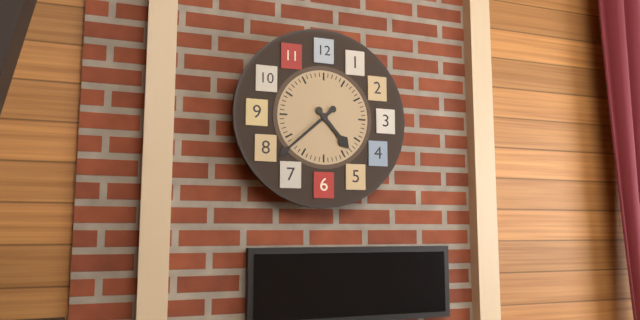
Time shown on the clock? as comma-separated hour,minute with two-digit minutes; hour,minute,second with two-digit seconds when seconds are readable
4,38
